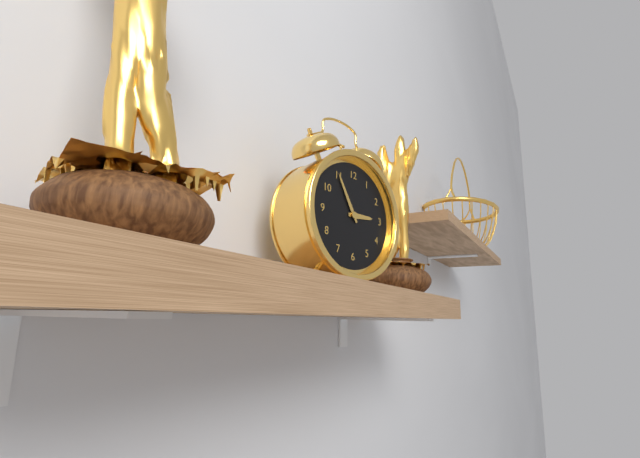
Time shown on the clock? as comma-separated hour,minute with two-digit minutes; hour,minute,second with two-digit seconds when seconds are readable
2,55
